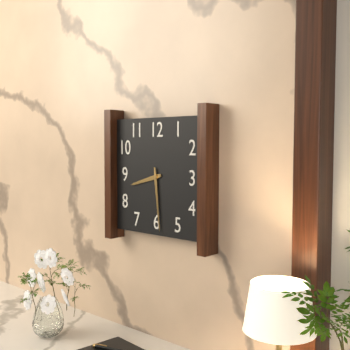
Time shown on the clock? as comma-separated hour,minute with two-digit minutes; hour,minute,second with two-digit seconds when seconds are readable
8,29
